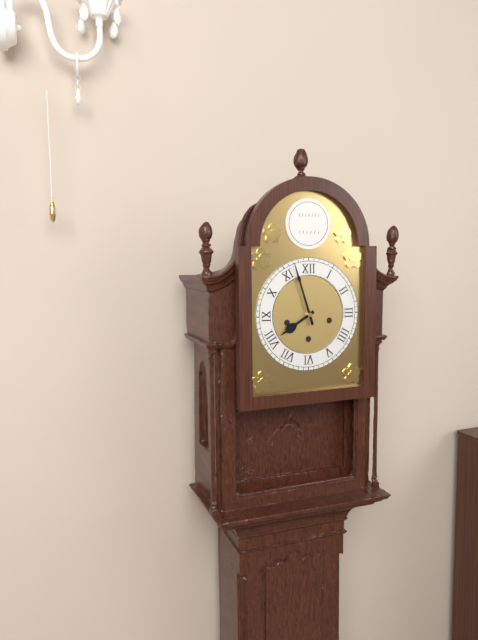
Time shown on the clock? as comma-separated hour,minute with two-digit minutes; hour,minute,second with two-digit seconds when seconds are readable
7,57
